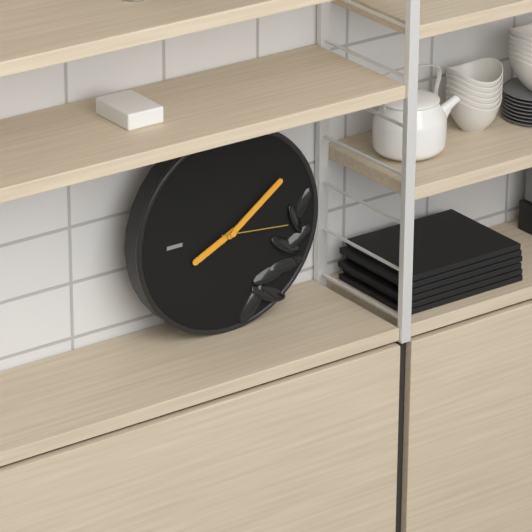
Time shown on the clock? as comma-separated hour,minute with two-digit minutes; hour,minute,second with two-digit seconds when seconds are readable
8,09,16
